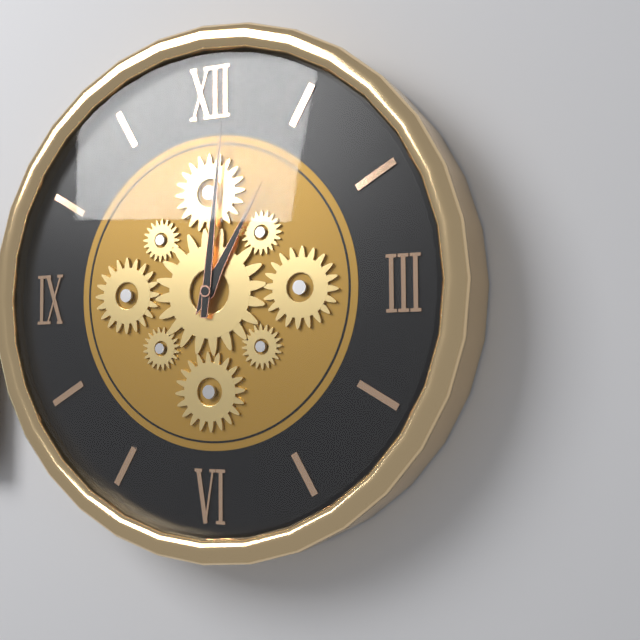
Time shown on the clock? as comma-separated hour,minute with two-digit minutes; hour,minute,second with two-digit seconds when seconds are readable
1,01
